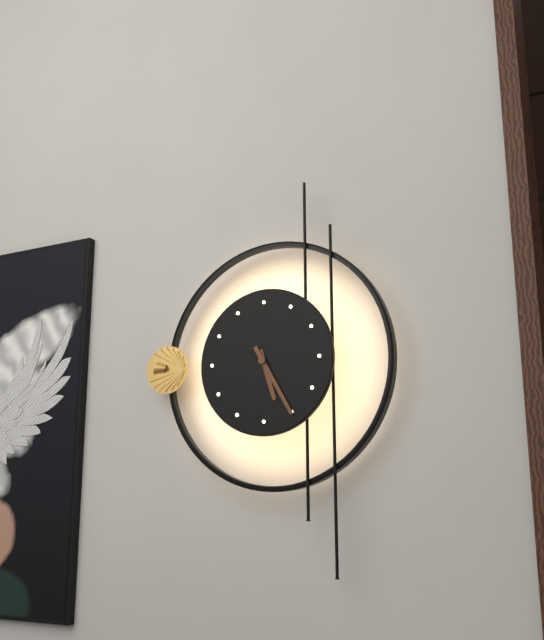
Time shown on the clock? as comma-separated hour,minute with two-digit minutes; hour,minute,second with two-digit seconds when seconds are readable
5,25
